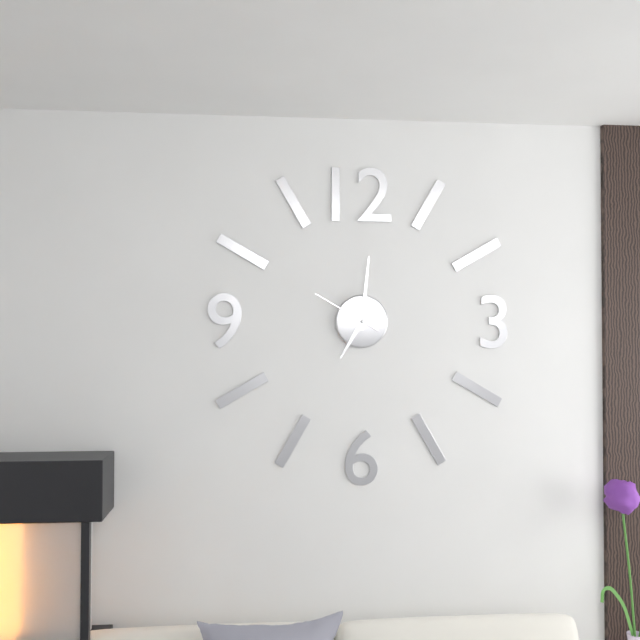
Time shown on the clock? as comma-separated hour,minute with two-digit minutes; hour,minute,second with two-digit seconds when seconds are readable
7,01,50
